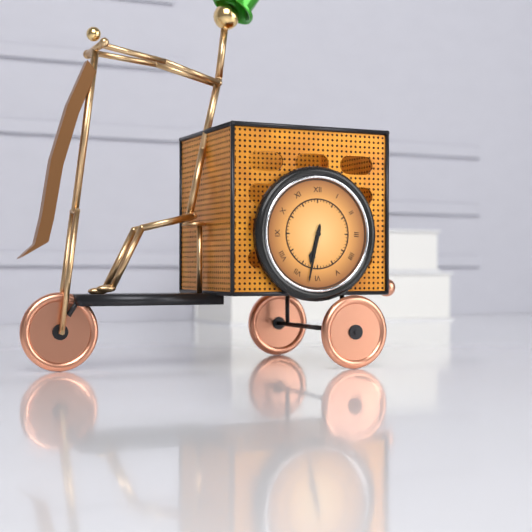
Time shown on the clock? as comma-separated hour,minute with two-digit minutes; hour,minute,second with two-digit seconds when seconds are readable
6,32
